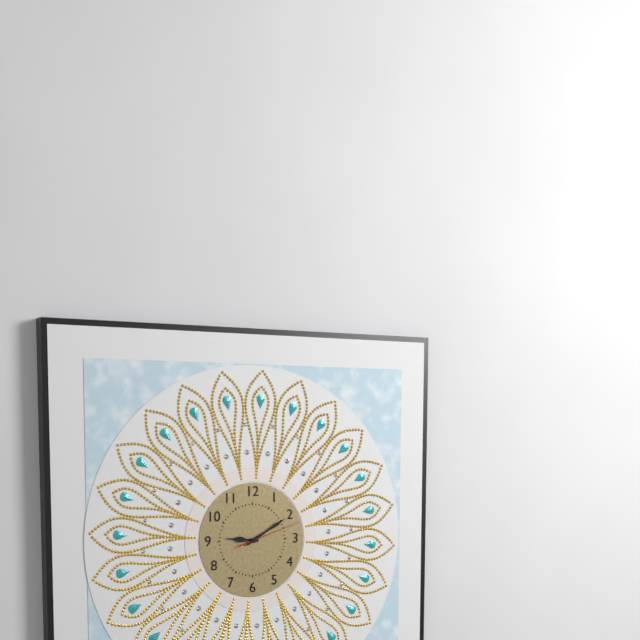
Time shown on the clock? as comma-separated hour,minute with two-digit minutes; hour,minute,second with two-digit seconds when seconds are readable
9,10,12
